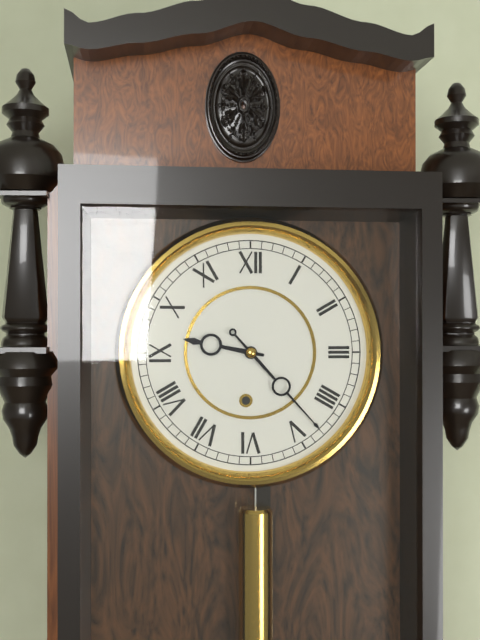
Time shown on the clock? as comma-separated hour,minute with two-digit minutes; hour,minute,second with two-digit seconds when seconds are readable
9,23
